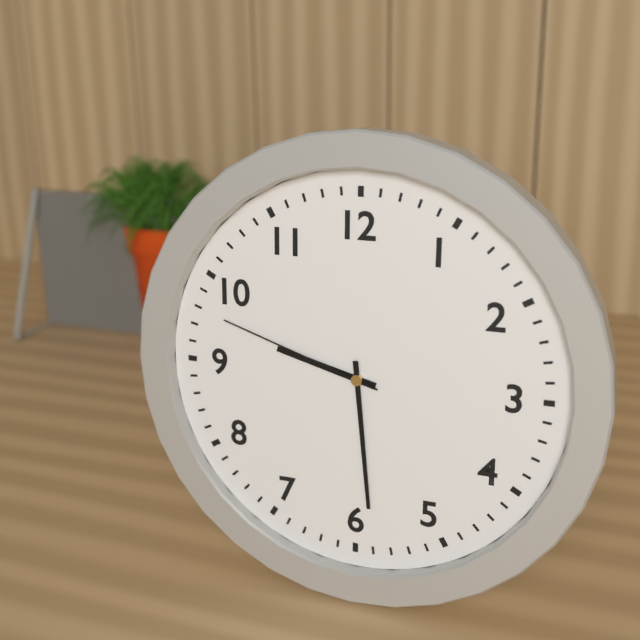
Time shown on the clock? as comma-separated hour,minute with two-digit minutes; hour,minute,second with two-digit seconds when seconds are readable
9,29,48
